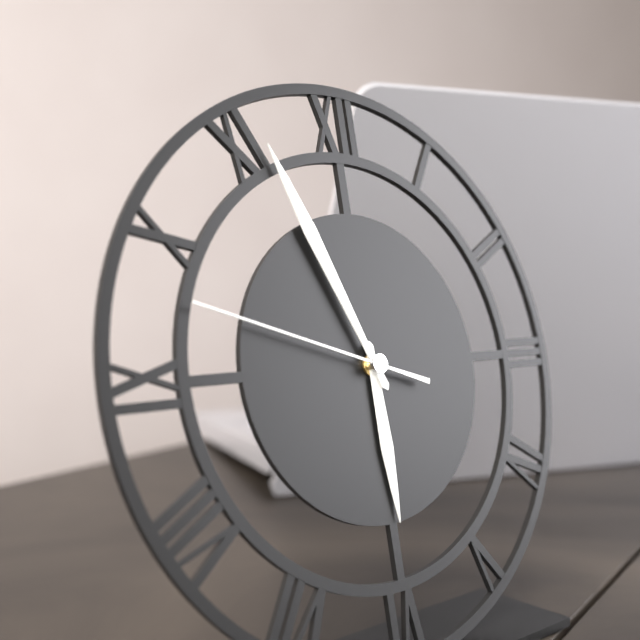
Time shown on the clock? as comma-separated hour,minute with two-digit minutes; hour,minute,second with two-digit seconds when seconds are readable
5,56,48
